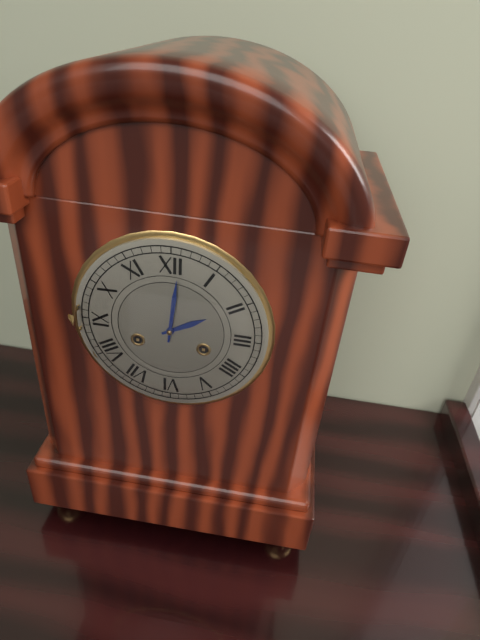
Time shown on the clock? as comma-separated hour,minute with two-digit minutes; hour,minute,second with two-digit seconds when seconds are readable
2,01
